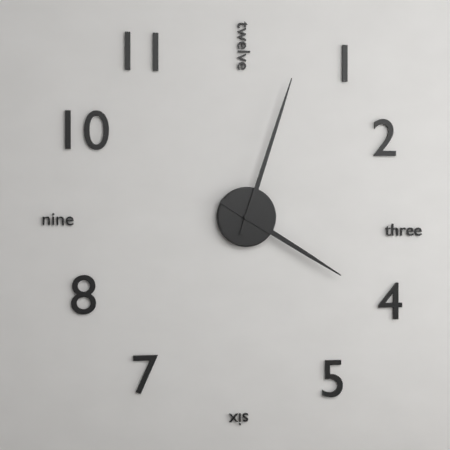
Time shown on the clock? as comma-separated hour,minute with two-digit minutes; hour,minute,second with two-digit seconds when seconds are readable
4,03
